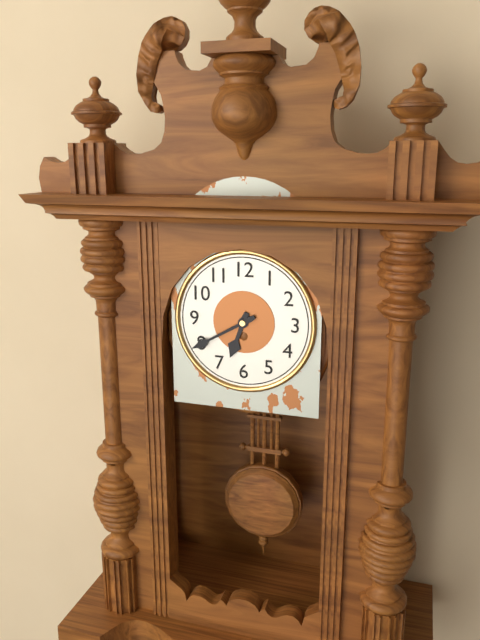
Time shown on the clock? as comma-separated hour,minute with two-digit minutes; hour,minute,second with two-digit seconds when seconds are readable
6,40
